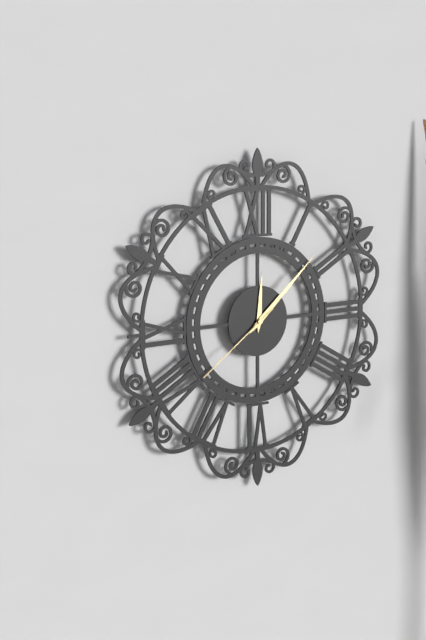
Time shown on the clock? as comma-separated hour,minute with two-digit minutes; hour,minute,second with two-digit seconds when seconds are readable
12,08,39
